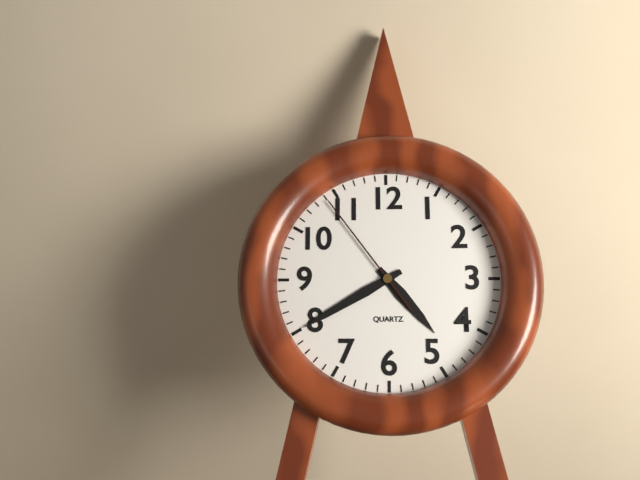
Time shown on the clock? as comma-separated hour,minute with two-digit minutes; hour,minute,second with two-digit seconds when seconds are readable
4,40,54
